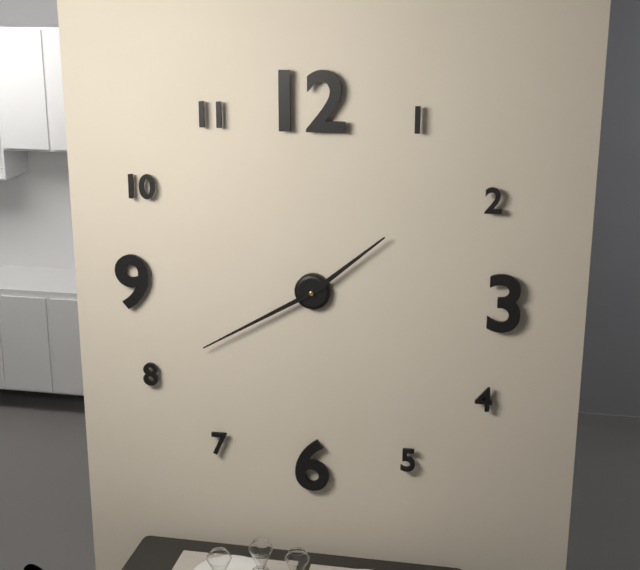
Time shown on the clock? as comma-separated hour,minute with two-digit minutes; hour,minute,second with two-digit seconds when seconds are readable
1,40
